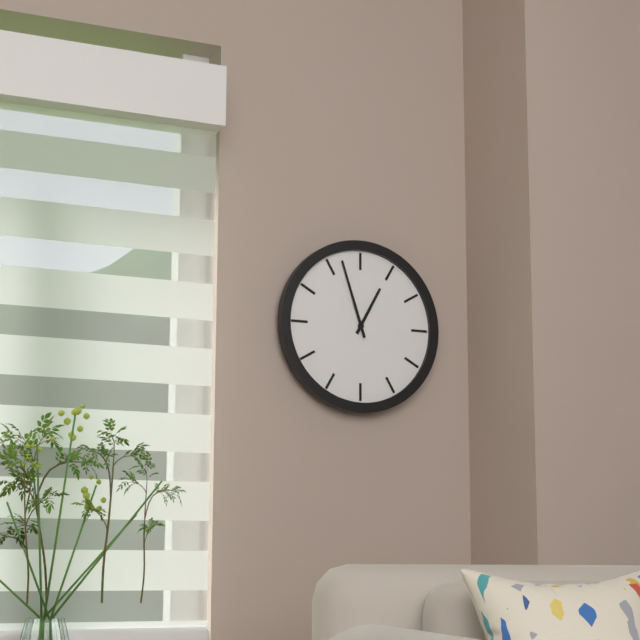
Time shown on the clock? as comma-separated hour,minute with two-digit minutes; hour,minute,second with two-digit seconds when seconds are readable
12,57
